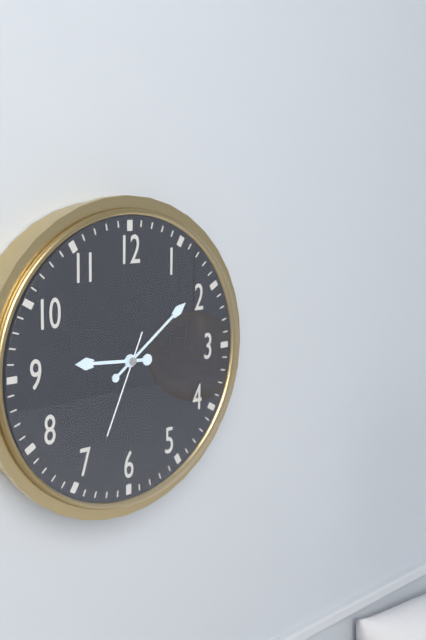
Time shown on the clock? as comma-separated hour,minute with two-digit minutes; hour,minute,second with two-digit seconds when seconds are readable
9,09,34
